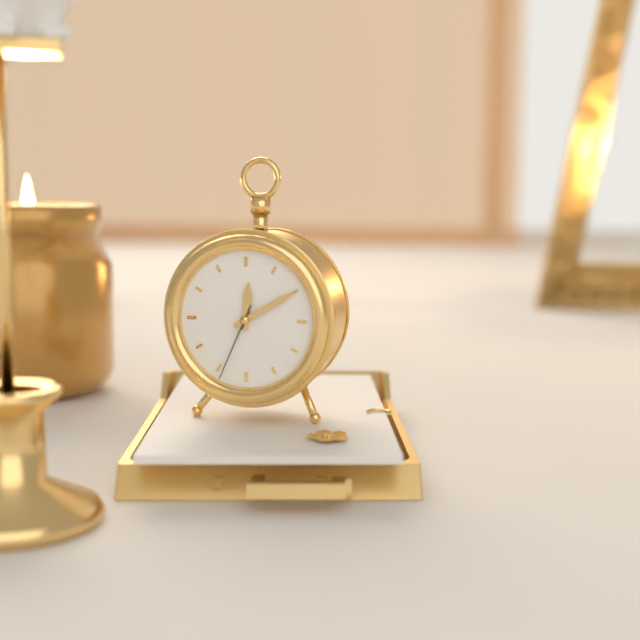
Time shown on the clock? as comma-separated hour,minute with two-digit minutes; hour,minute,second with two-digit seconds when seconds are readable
12,10,34
